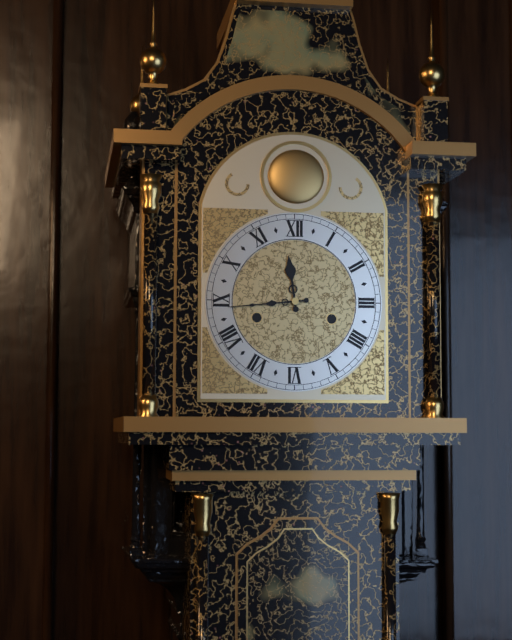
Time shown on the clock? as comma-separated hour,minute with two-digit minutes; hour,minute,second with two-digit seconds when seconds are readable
11,44
